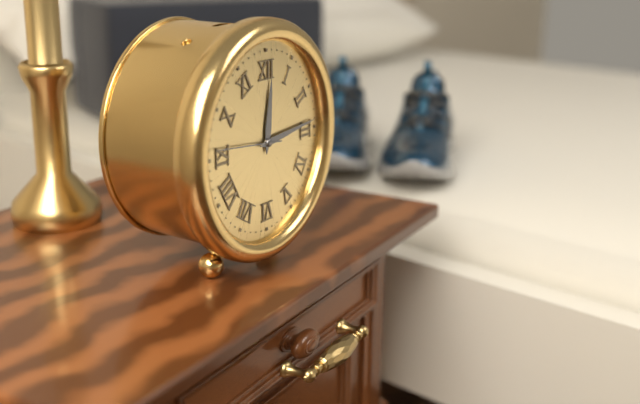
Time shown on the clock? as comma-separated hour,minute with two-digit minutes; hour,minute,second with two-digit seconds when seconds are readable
12,14,46
